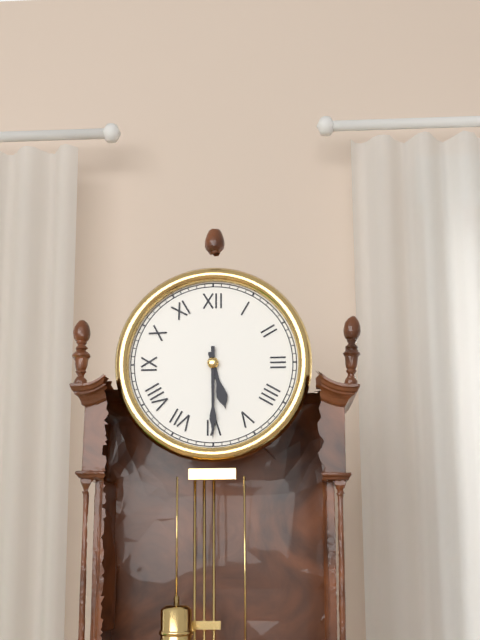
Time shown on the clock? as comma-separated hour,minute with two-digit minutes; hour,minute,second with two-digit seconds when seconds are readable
5,30
